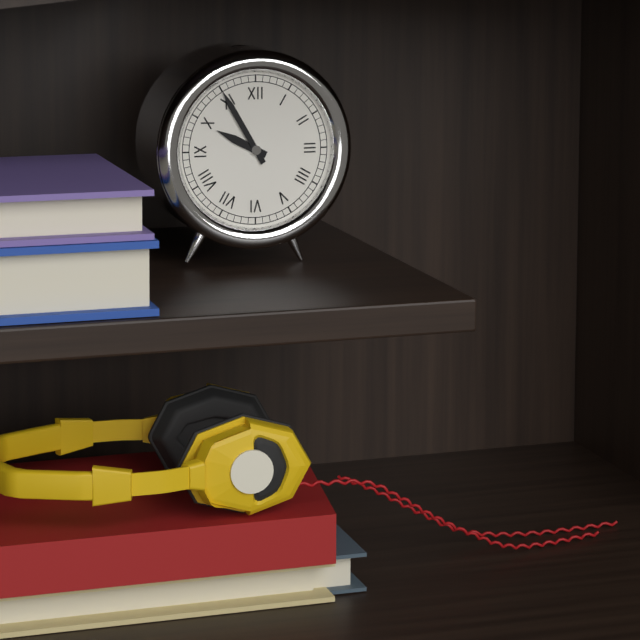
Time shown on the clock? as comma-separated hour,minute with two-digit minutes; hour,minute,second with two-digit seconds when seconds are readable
9,55
